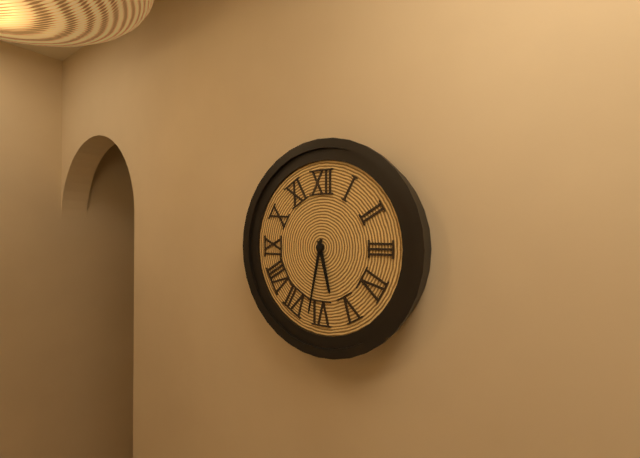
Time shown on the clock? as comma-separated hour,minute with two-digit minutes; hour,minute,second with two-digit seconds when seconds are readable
5,32
